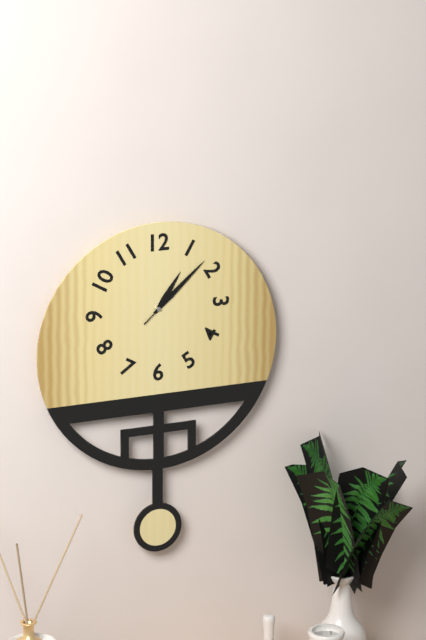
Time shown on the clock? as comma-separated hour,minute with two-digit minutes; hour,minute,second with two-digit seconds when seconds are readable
1,08,08
